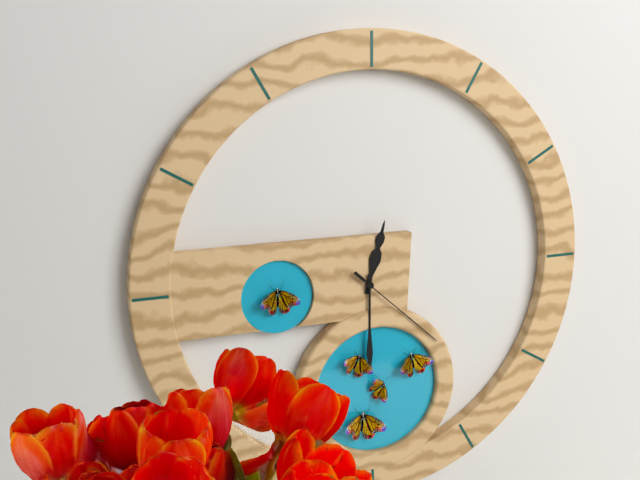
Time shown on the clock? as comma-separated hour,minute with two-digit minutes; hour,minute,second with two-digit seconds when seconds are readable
12,30,22
